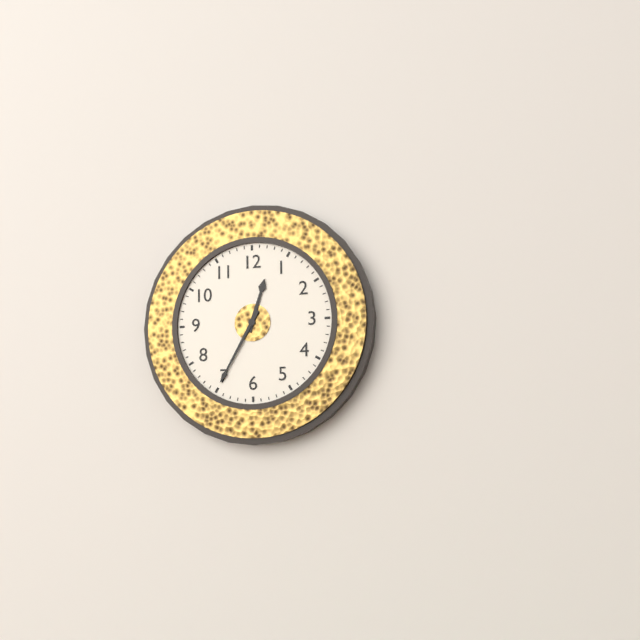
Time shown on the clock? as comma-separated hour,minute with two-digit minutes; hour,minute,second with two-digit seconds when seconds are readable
12,35
